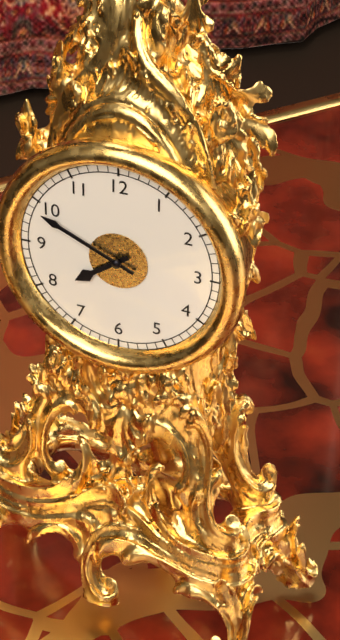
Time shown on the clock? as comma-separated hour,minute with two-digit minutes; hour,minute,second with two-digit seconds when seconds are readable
7,49
